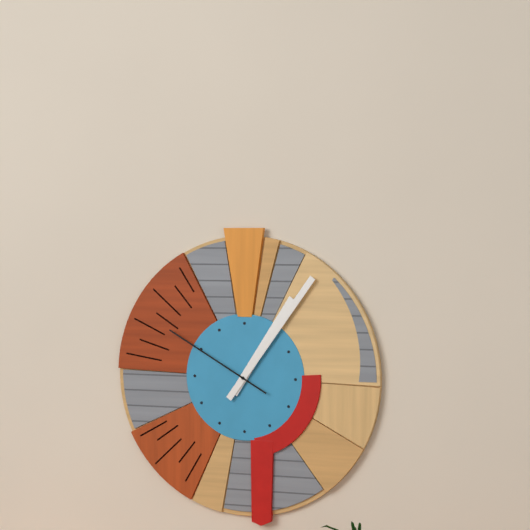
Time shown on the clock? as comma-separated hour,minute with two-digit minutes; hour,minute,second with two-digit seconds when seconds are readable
1,06,50
